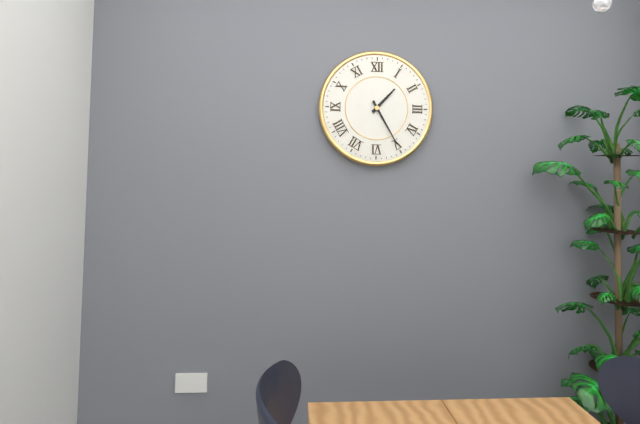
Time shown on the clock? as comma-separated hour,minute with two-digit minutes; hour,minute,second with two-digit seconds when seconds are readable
1,25
